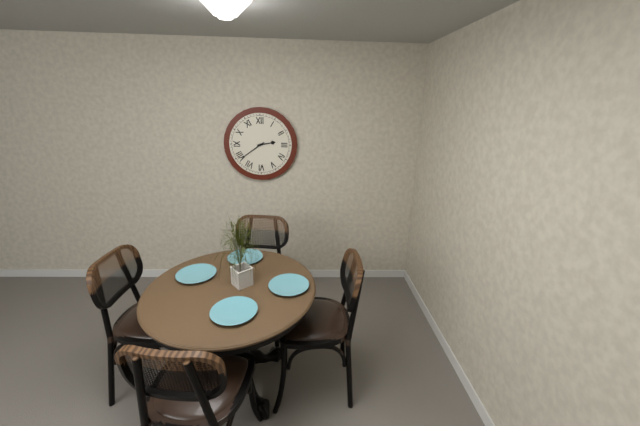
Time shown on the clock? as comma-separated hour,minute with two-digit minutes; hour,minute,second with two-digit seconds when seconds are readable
2,39
